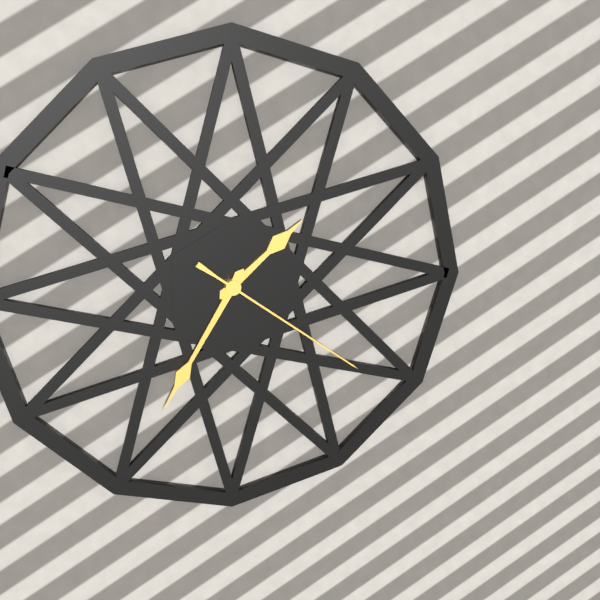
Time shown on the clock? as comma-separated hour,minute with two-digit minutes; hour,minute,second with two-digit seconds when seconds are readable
1,35,21
